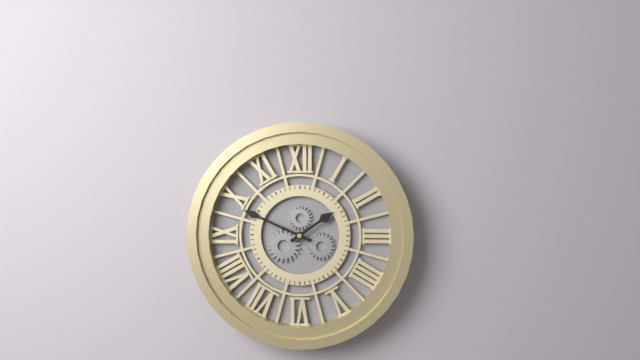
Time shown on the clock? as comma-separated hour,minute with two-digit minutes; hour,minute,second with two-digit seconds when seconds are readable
1,49
